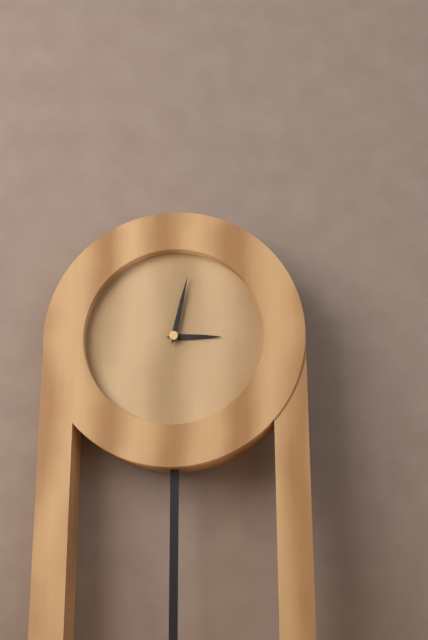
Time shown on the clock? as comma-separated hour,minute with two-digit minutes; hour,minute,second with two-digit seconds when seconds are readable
3,02
